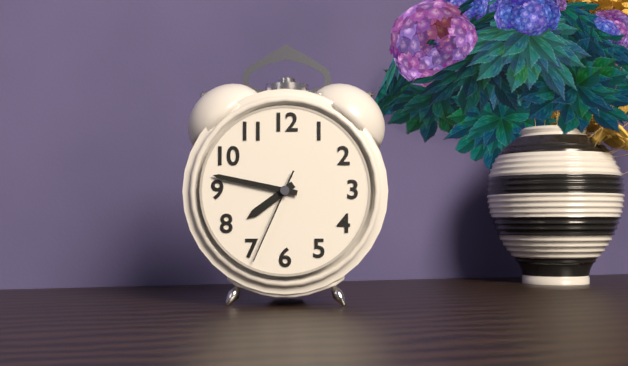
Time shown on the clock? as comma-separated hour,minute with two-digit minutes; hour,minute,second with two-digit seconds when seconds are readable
7,47,34
